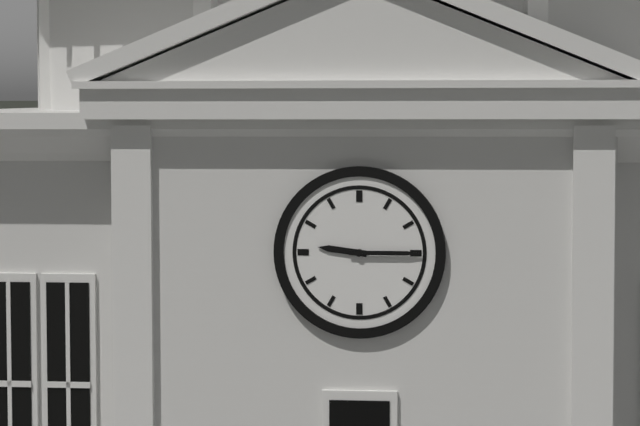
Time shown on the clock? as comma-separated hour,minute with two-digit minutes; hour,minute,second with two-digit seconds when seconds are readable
9,15
